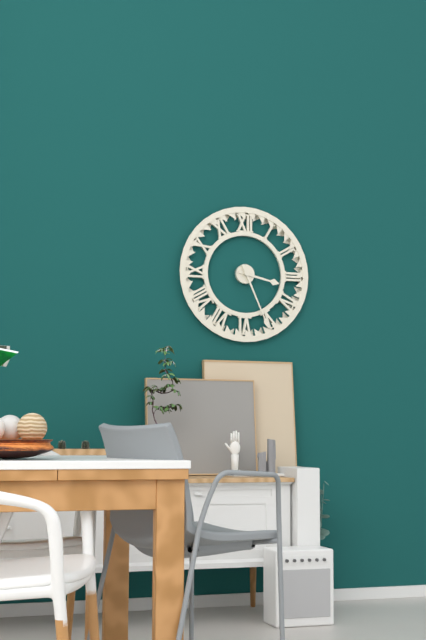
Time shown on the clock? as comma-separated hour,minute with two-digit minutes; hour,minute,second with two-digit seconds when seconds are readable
3,26
